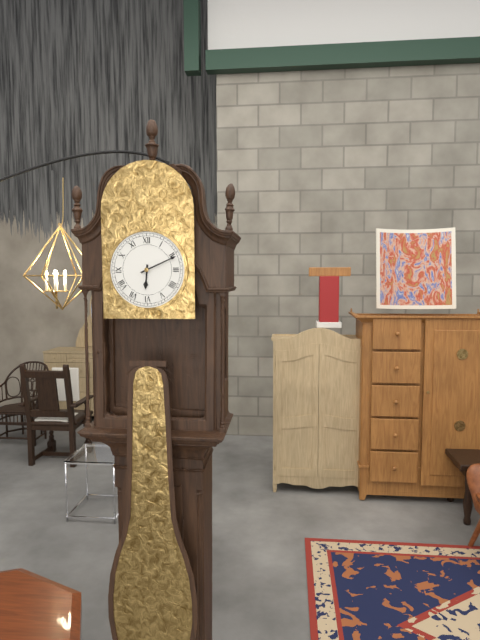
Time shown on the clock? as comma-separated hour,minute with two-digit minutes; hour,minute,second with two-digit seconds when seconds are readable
6,11
